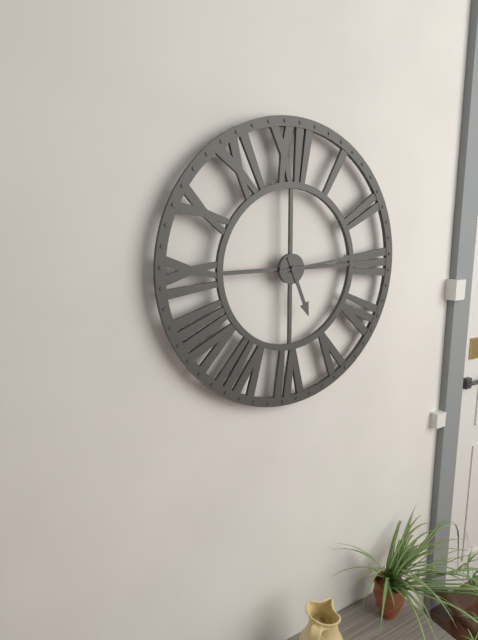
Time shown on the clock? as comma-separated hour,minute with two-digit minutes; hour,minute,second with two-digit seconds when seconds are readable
5,14
